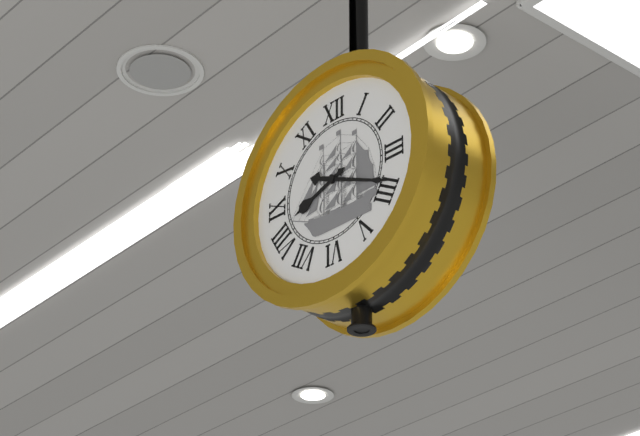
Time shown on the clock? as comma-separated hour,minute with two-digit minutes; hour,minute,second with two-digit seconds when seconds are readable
8,19
